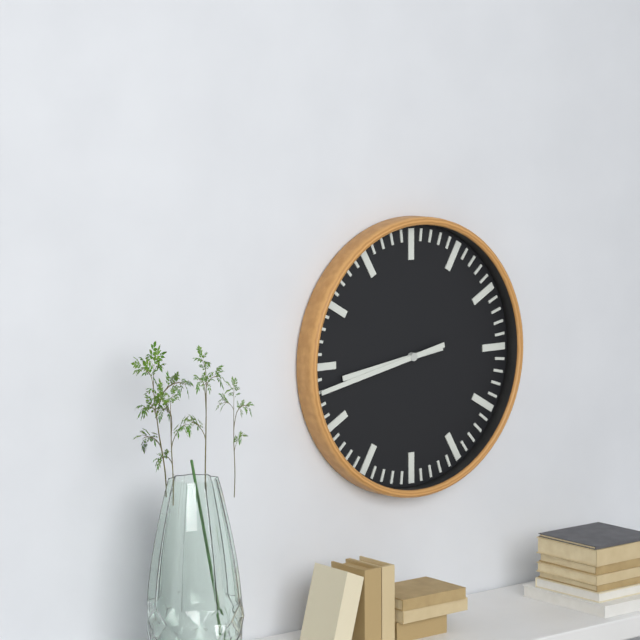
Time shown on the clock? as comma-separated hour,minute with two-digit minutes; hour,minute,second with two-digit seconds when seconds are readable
8,43
